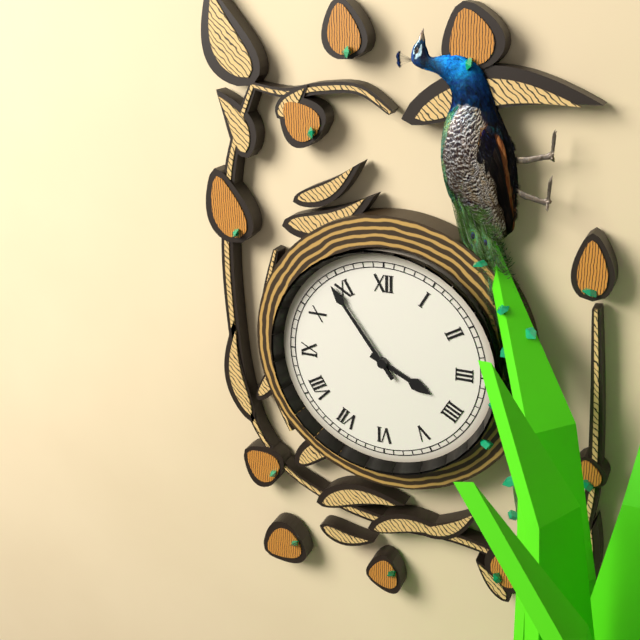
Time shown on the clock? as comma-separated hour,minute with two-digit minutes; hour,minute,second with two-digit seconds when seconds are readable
3,54
